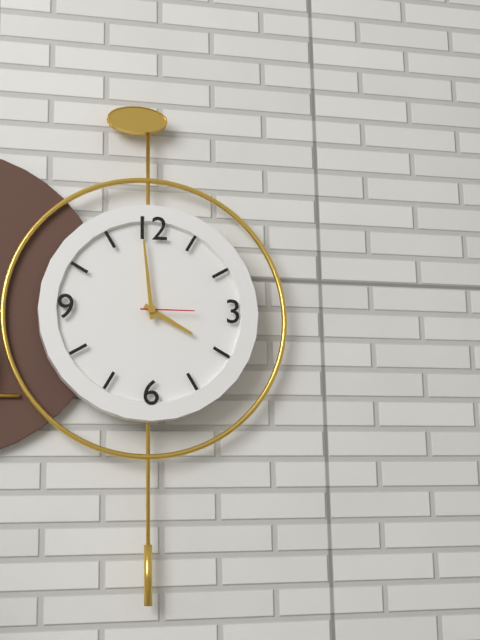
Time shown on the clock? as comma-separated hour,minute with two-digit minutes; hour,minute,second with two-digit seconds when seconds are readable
3,59,15
